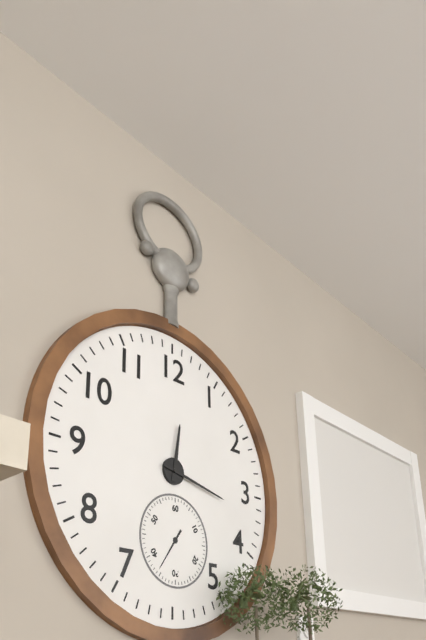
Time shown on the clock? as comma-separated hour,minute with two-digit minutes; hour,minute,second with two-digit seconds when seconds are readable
12,17
